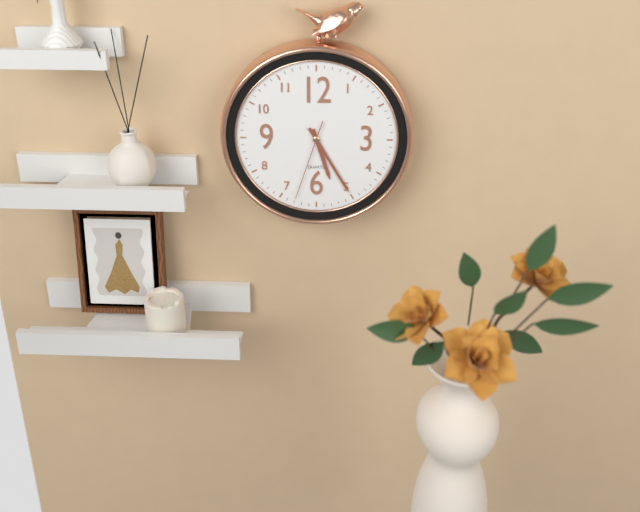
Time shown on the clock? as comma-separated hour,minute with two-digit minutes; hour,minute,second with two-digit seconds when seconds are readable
5,25,33
